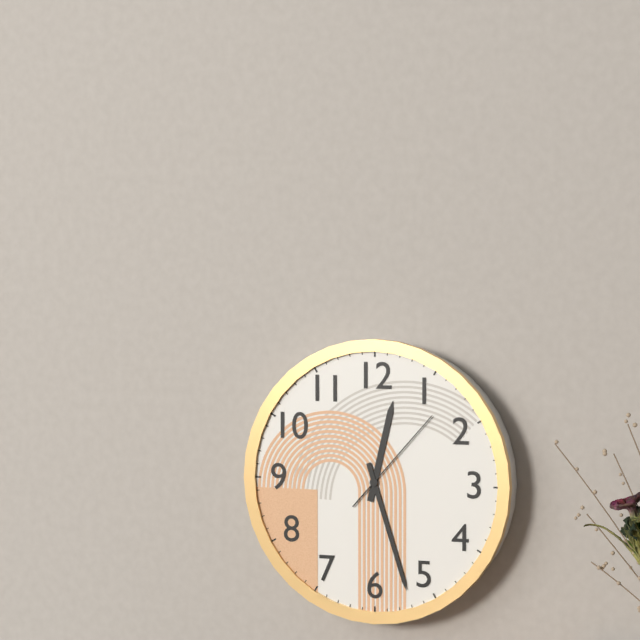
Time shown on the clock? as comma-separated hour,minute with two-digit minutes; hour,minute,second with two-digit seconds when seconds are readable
12,27,07
